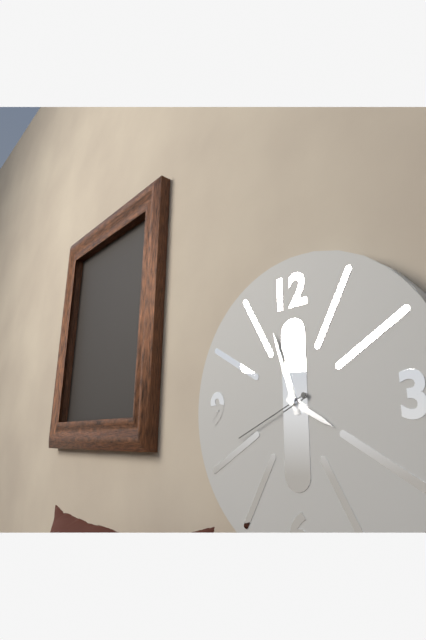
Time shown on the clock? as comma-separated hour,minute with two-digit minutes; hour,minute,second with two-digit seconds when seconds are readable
3,57,41
